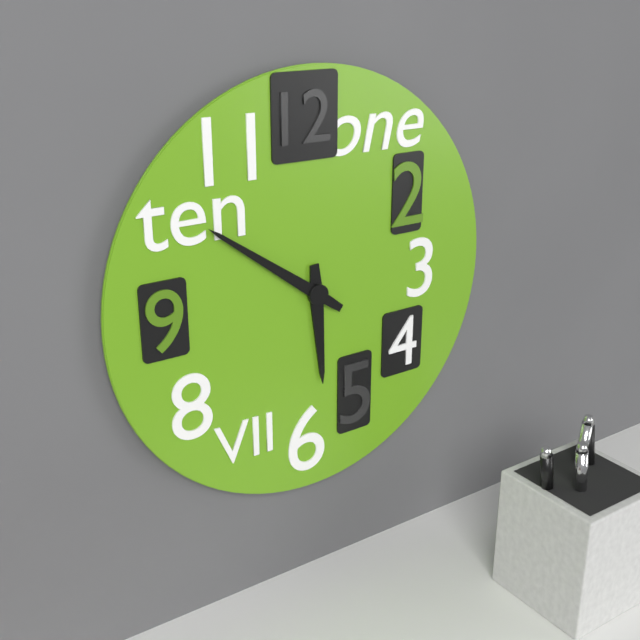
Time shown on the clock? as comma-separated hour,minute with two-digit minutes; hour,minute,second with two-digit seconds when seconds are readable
5,51
